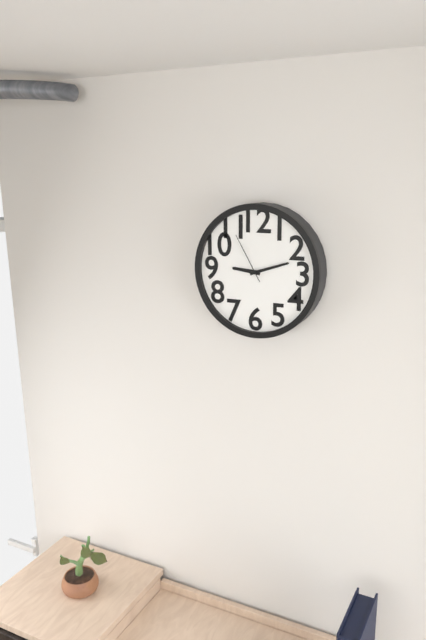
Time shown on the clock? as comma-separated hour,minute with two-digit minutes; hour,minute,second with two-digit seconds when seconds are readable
9,12,55
